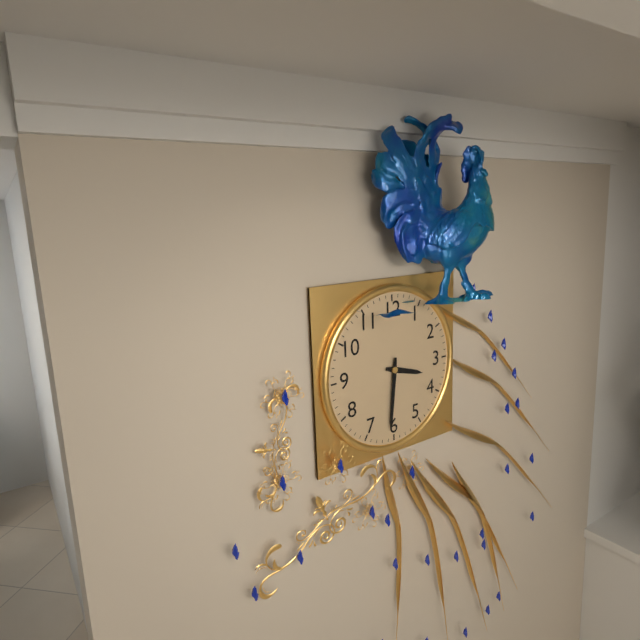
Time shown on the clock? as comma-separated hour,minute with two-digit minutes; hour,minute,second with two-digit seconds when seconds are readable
3,31
